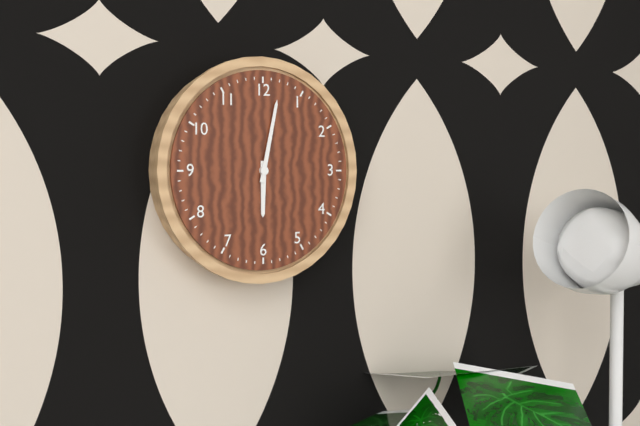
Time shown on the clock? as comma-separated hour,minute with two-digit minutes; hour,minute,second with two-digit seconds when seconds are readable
6,02
